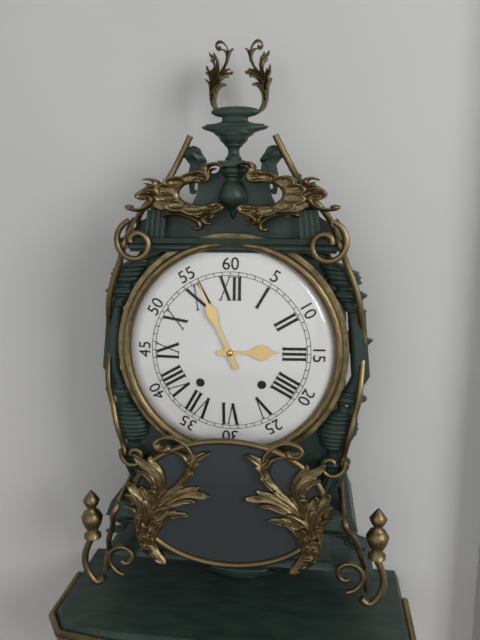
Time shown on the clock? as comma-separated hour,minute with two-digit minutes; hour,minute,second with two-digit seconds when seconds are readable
2,56
